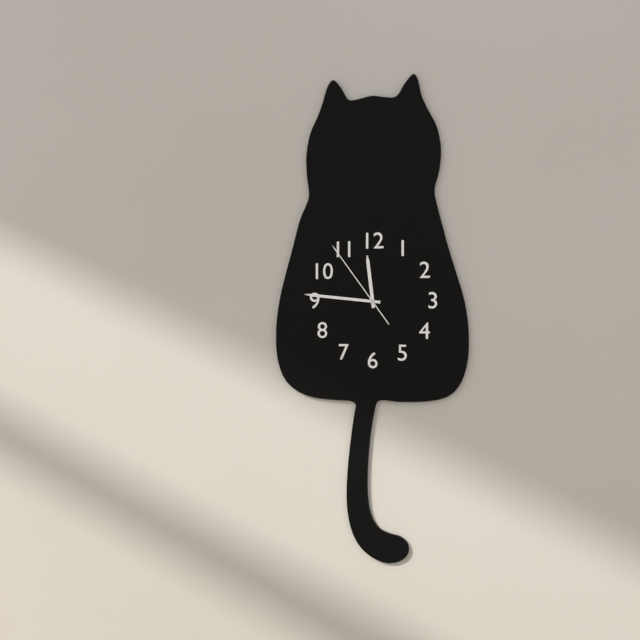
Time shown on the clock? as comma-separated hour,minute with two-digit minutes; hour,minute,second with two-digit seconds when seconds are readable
11,46,54
